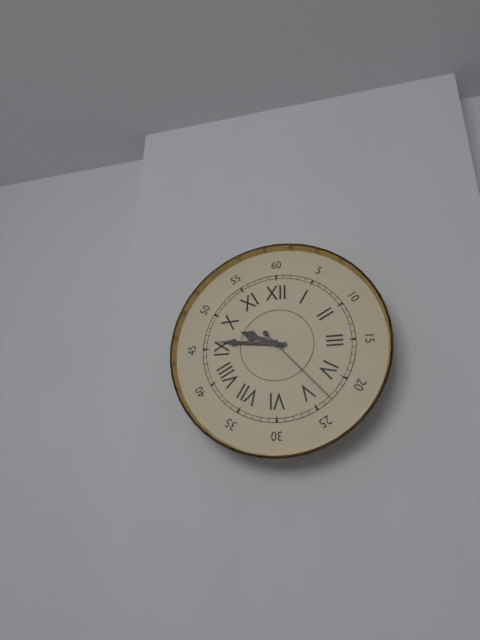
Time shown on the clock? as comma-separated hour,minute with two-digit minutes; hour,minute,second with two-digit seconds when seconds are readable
9,46,23
